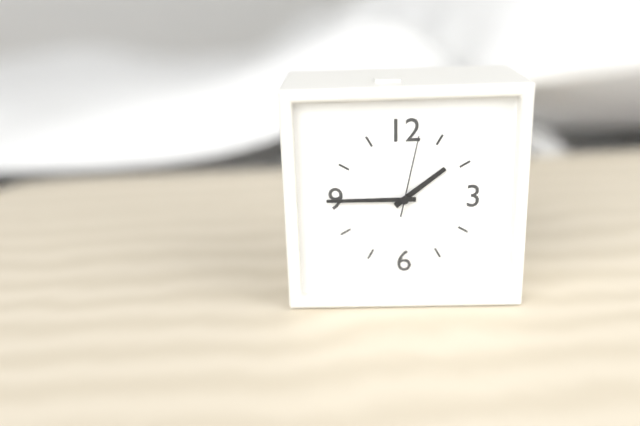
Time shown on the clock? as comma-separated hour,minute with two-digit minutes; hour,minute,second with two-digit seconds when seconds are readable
1,45,02
